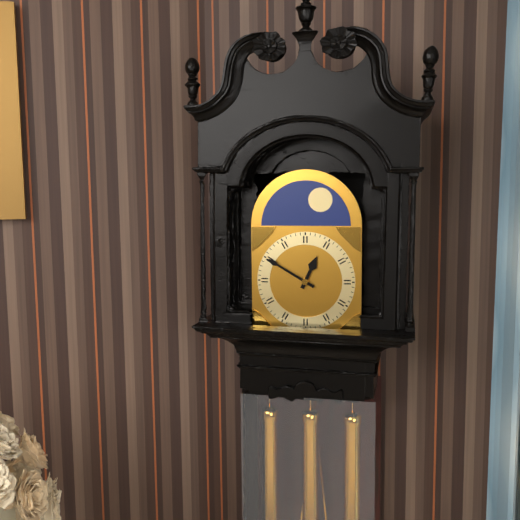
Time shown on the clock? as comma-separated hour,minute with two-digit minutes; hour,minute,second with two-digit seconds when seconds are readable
12,50
